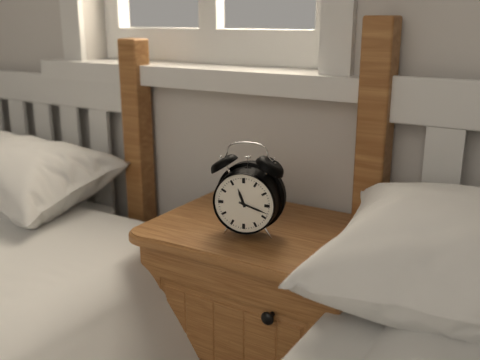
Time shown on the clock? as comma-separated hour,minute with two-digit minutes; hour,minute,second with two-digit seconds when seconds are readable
11,18
